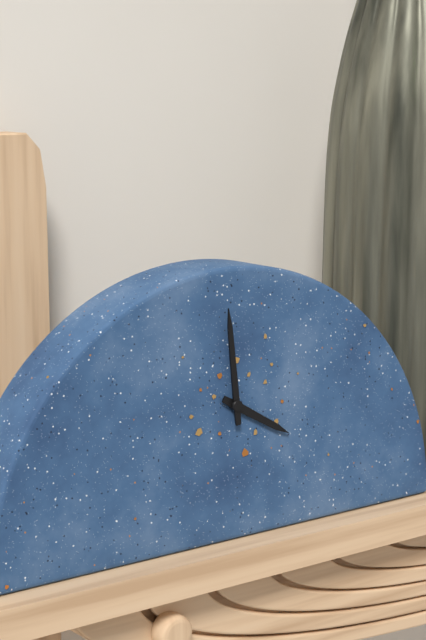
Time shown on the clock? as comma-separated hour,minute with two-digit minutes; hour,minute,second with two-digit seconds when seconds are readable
3,59
